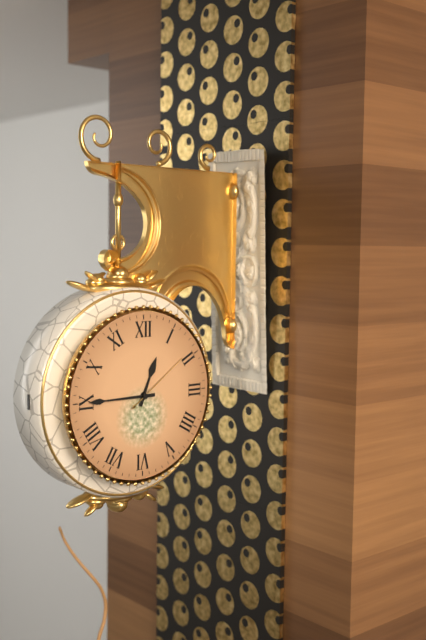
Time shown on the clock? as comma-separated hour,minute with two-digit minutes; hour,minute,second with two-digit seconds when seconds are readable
12,45,09
